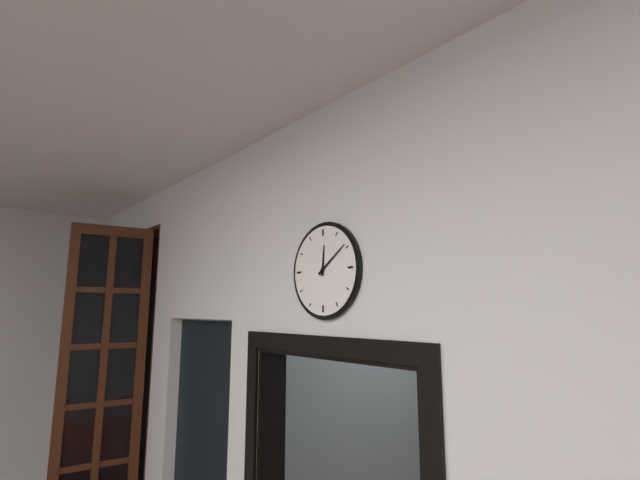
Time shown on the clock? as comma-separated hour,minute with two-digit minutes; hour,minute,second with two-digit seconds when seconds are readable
12,09
